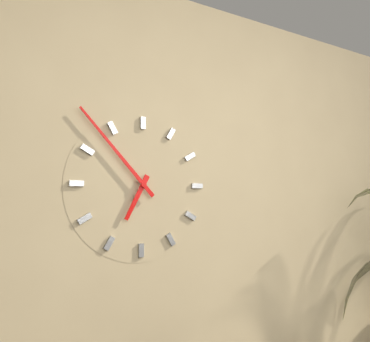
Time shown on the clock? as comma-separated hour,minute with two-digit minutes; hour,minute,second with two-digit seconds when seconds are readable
6,53
